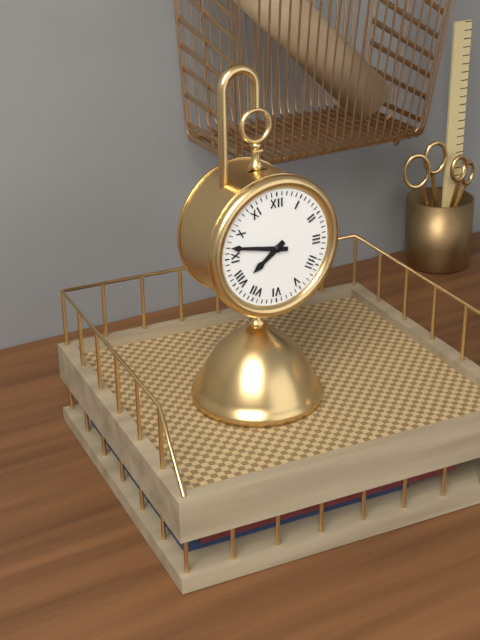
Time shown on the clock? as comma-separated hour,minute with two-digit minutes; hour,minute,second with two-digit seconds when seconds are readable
7,47
